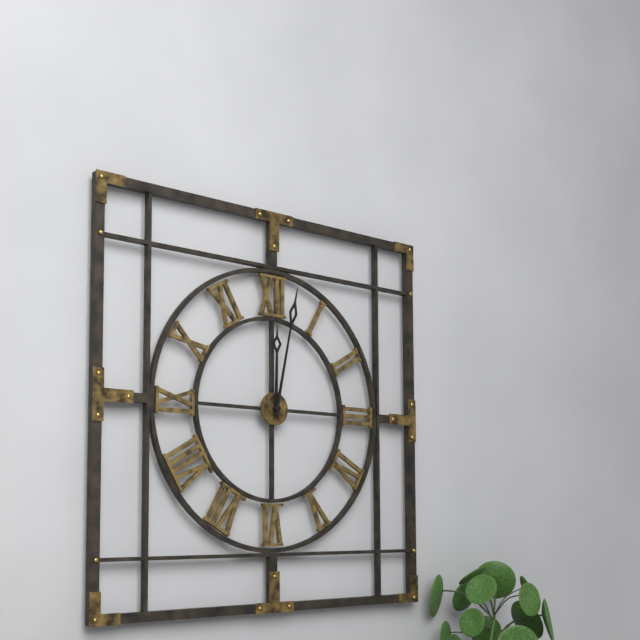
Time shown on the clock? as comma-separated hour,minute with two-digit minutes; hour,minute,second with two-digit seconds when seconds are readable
12,02
